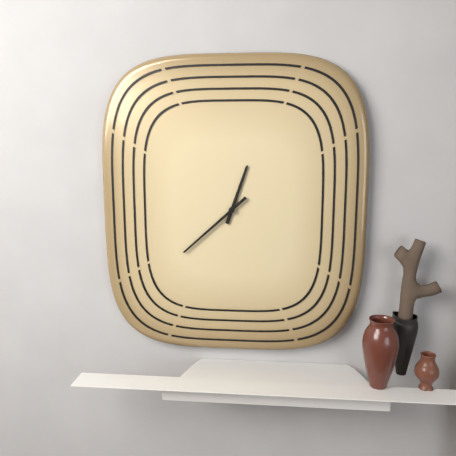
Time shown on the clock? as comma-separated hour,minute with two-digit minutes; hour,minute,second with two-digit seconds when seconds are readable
12,38
